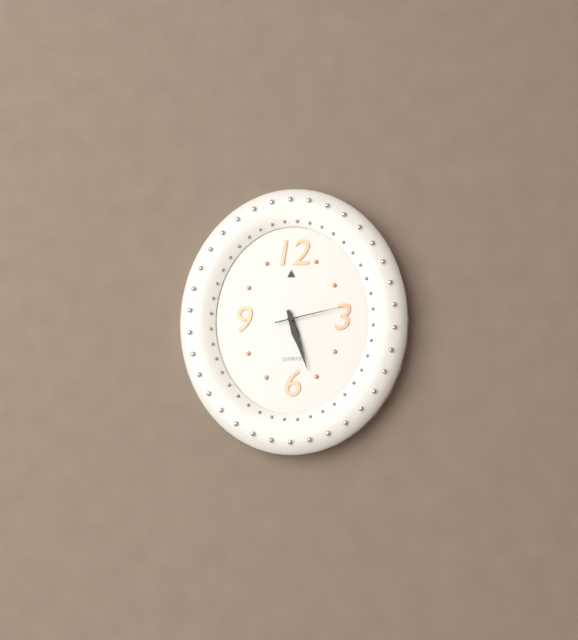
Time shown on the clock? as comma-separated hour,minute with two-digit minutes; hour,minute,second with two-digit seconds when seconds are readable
5,27,13
